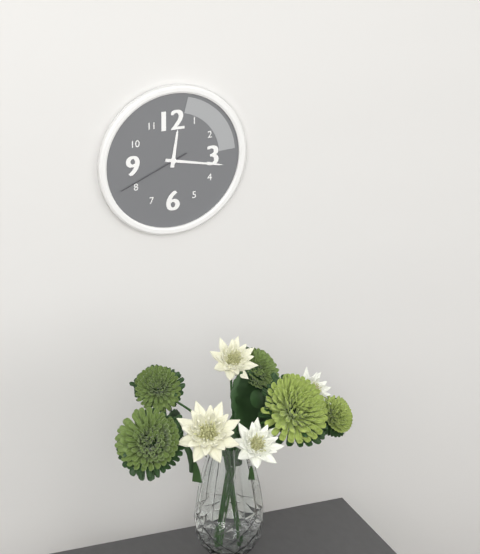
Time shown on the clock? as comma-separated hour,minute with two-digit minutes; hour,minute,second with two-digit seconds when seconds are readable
12,17,41
